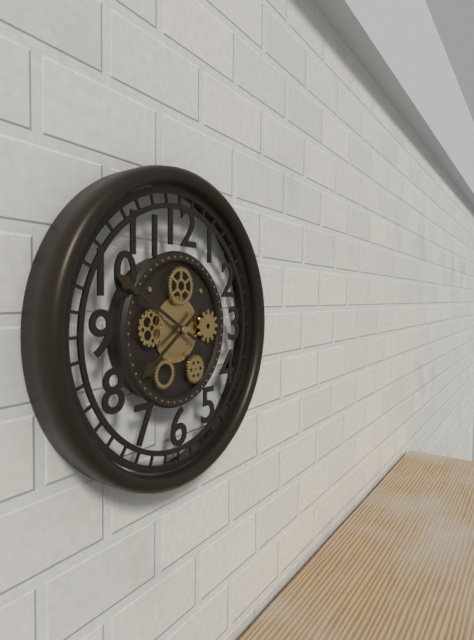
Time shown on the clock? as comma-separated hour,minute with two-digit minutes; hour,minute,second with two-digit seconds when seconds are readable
7,50
